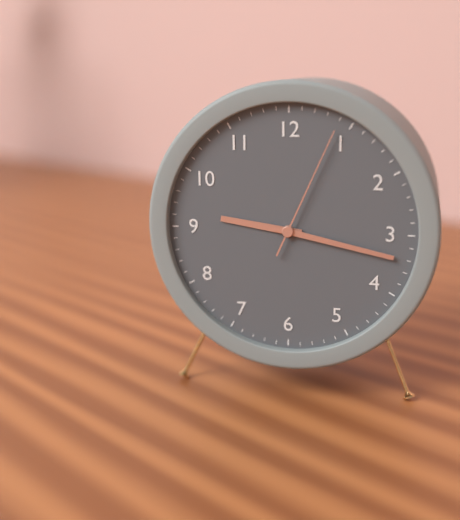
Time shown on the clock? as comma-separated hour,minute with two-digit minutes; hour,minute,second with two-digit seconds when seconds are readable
9,17,04
